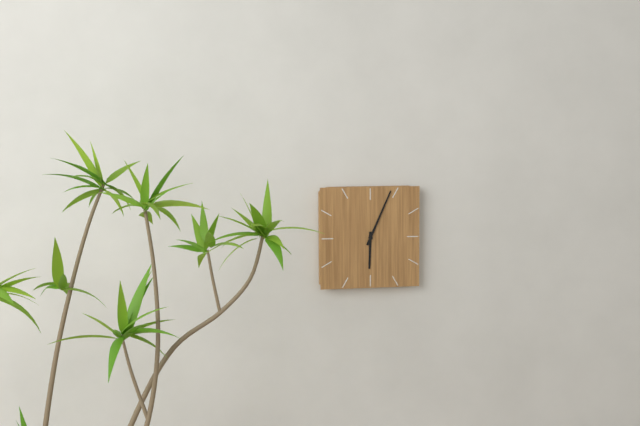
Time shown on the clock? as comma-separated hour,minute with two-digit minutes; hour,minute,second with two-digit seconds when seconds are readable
6,04
